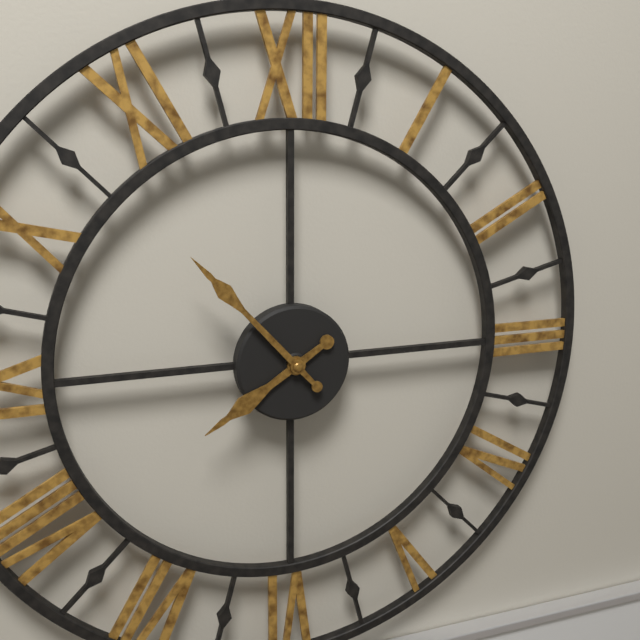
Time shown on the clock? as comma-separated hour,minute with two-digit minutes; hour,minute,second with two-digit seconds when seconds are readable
7,53
